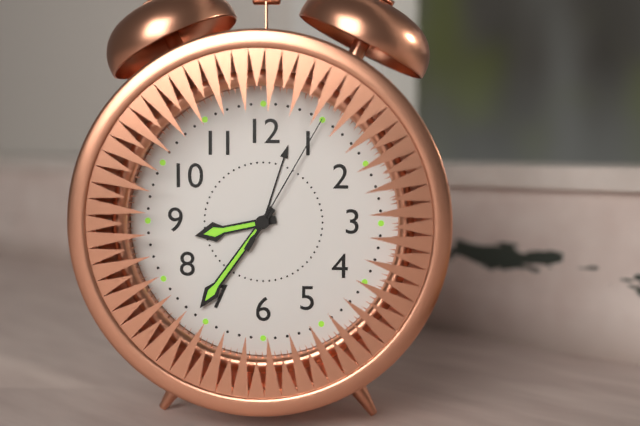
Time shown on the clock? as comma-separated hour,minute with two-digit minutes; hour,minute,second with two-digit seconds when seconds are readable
8,36,05
